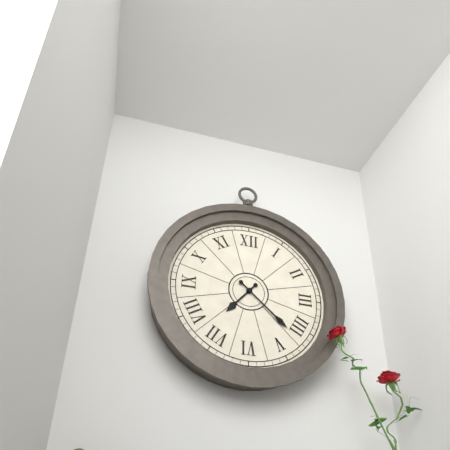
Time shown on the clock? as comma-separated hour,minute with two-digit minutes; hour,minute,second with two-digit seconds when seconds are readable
7,22
